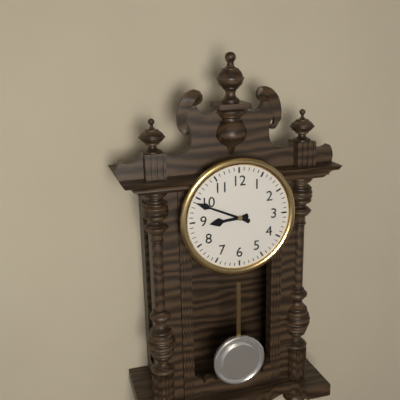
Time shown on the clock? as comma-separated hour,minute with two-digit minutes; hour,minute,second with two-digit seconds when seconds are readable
8,49
